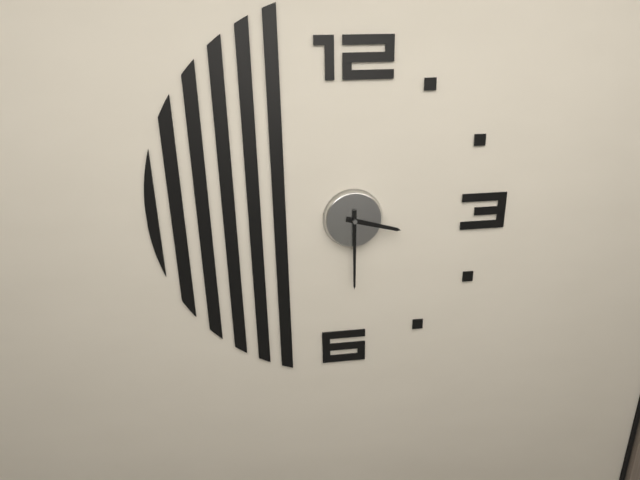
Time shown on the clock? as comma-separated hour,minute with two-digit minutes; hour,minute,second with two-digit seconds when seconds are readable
3,30
